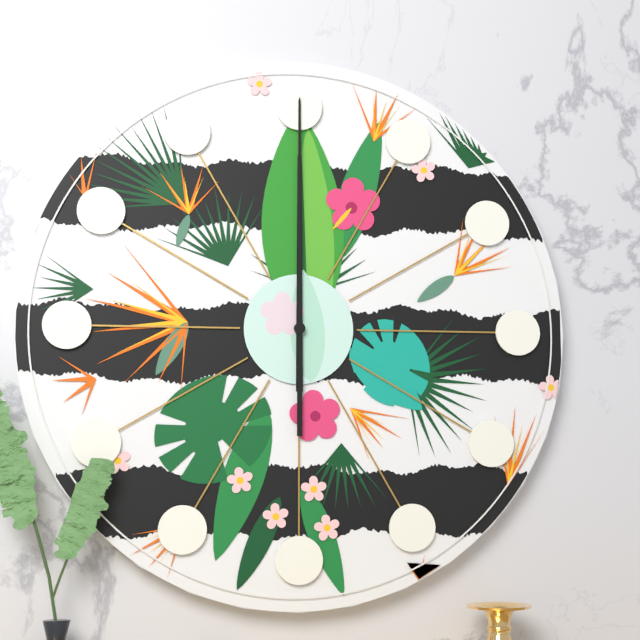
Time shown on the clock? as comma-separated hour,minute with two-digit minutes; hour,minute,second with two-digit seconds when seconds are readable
12,00
